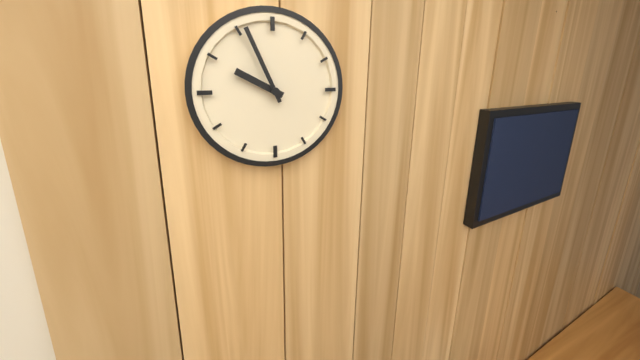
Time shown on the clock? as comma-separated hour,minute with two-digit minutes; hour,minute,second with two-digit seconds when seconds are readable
9,56
